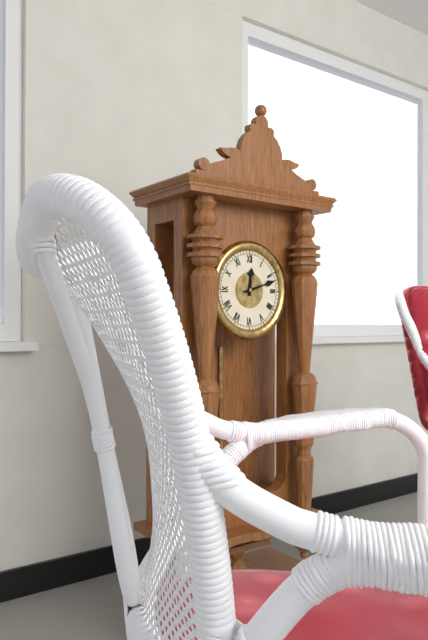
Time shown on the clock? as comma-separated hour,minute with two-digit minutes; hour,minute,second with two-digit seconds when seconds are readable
12,12
